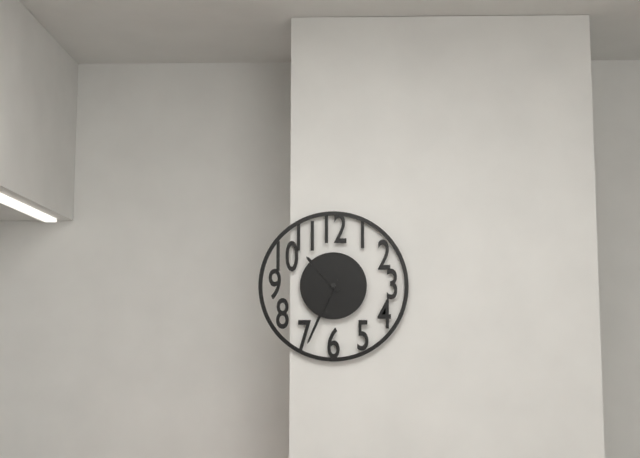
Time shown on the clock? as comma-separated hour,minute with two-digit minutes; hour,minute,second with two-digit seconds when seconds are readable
10,34
